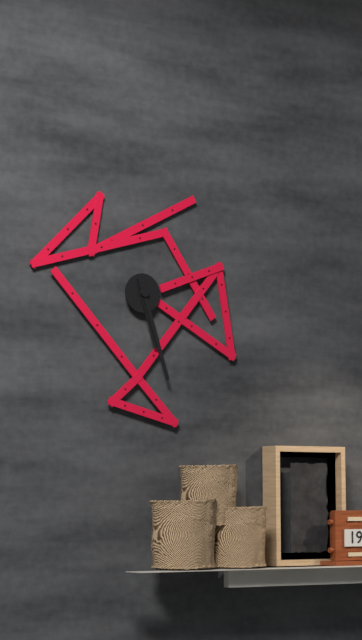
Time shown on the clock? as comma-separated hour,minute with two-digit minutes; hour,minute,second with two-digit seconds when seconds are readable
5,27
